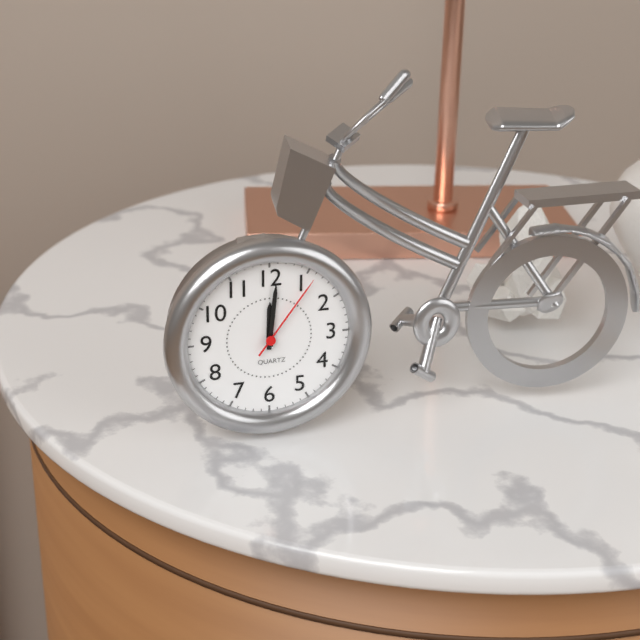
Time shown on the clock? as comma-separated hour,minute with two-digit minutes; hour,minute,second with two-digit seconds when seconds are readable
12,01,06
